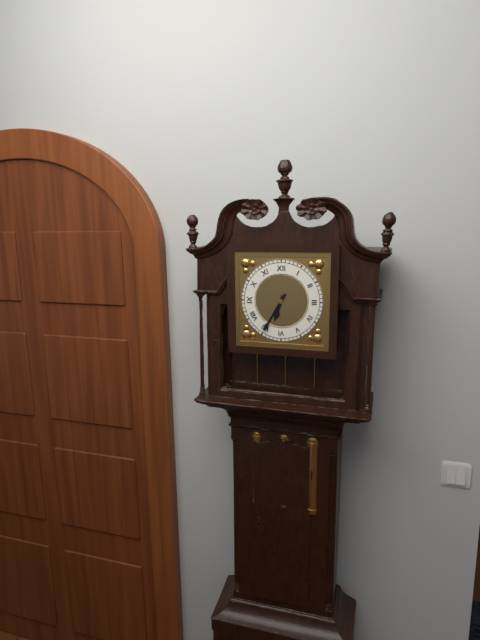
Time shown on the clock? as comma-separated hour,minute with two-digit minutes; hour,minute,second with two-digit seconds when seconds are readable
6,35
